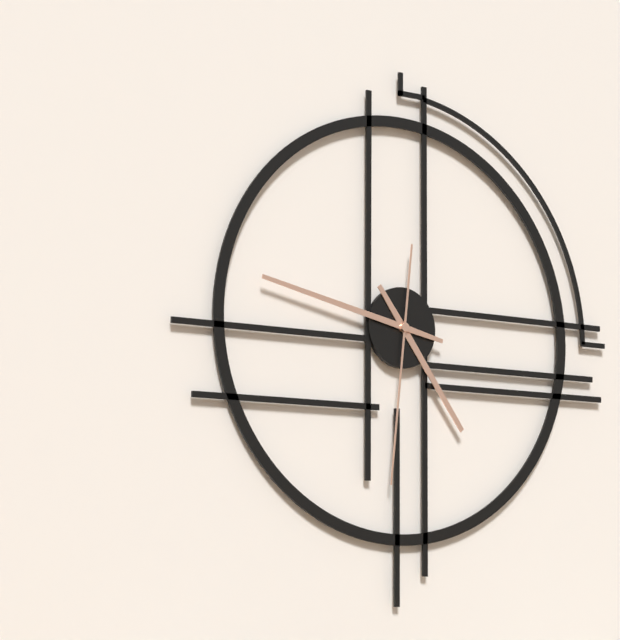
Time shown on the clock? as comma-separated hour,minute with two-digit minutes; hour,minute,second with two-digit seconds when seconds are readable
4,47,31
